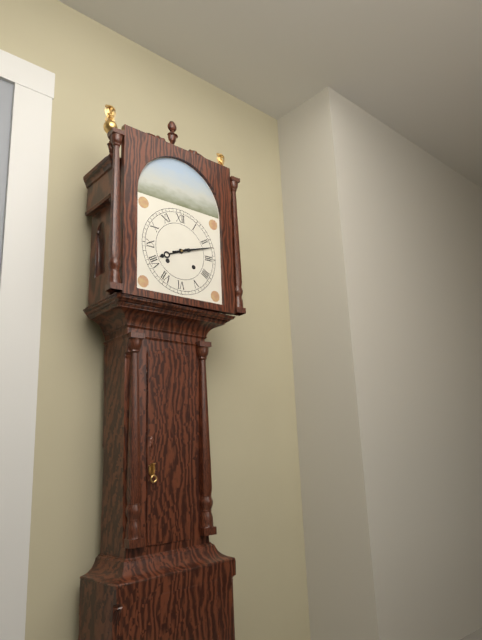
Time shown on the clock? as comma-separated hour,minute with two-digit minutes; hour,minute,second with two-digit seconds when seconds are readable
8,12
